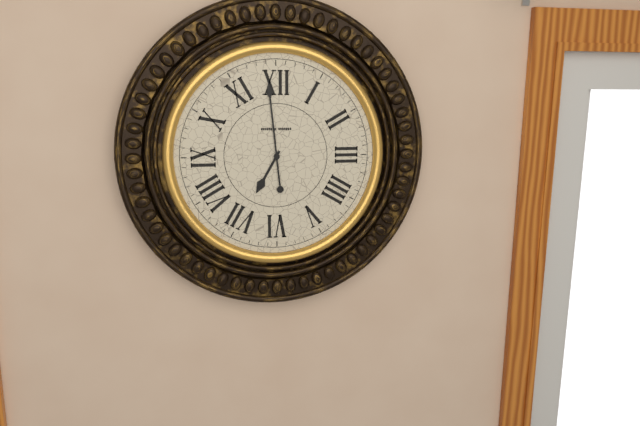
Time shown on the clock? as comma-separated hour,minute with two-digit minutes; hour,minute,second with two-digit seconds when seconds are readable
6,59
